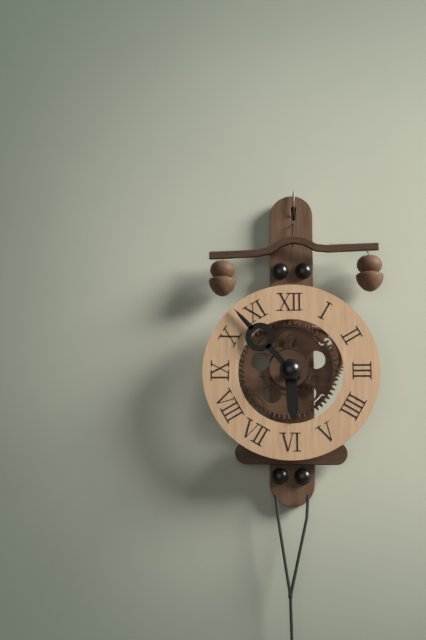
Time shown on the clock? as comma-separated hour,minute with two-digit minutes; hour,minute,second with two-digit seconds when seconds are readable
5,53
